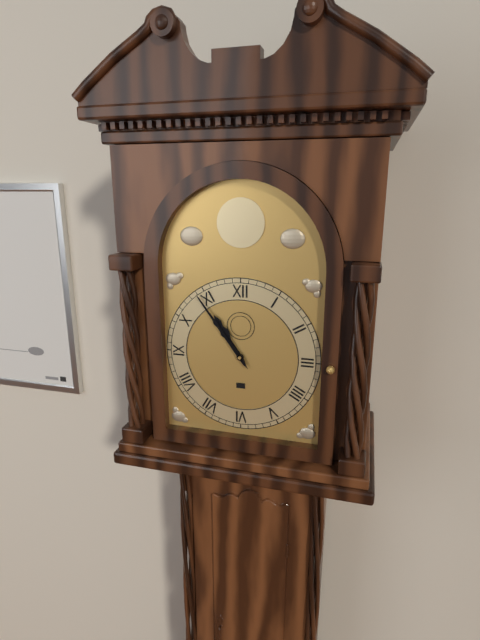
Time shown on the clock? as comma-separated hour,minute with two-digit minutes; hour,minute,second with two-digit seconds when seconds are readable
10,54
